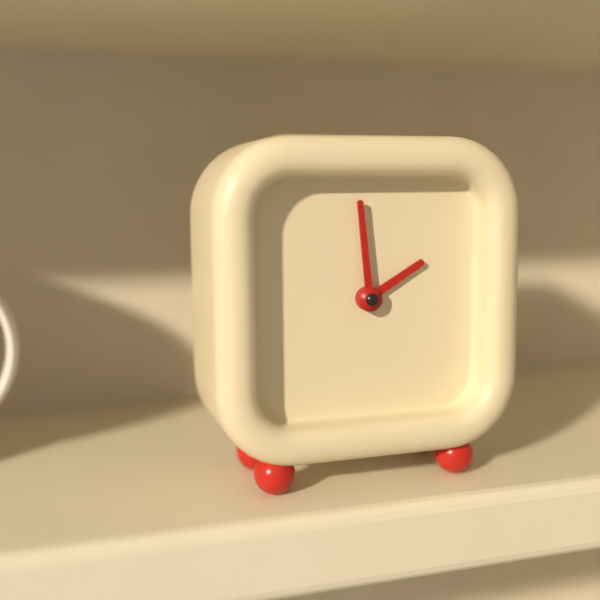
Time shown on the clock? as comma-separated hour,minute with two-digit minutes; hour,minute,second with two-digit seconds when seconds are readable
1,59
